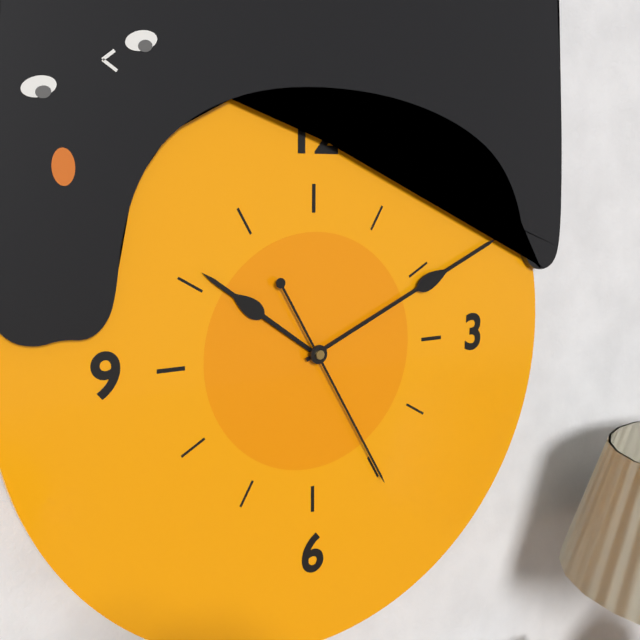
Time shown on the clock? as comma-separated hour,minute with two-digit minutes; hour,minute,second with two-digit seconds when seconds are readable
10,11,25
